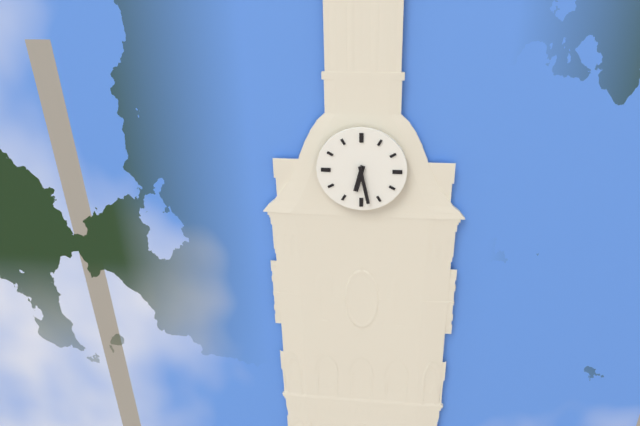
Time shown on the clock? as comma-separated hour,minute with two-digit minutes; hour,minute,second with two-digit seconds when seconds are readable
6,28
